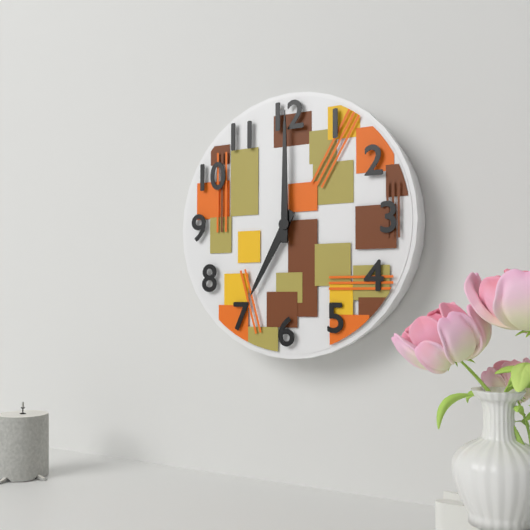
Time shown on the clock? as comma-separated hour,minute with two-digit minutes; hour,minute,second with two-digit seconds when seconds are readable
7,00
